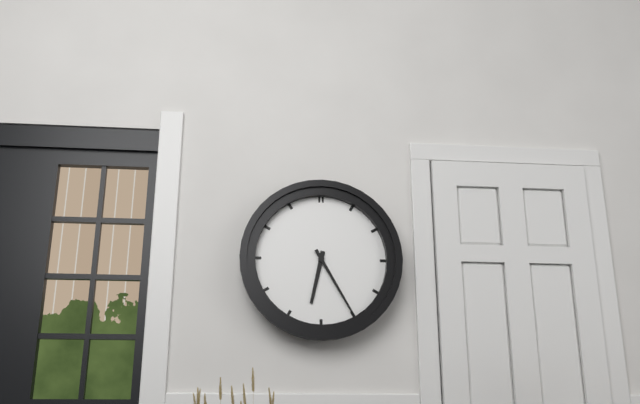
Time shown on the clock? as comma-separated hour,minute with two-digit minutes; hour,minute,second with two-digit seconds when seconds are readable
6,25
